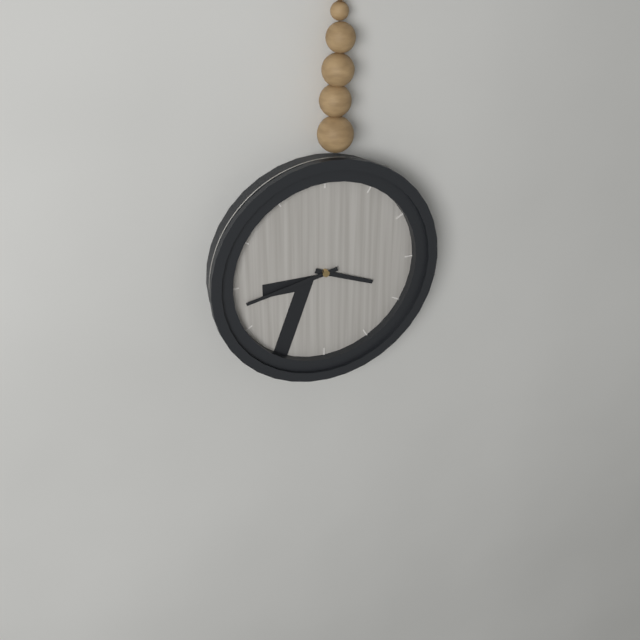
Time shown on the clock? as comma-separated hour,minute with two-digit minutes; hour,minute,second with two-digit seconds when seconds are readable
3,43
